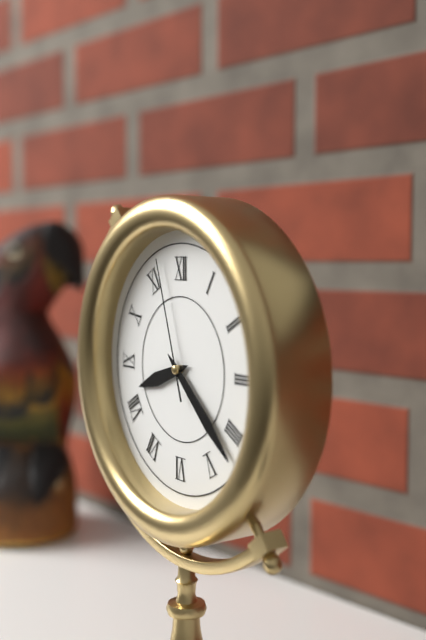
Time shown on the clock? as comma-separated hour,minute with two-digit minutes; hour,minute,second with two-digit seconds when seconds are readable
8,22,57
